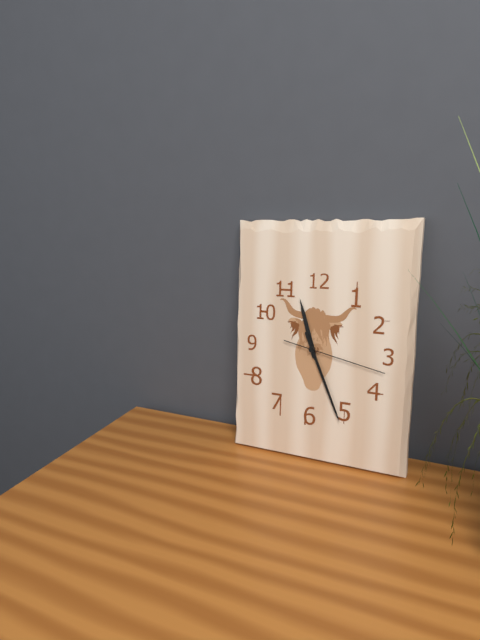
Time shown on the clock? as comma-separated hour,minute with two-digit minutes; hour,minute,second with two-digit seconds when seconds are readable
11,26,17
